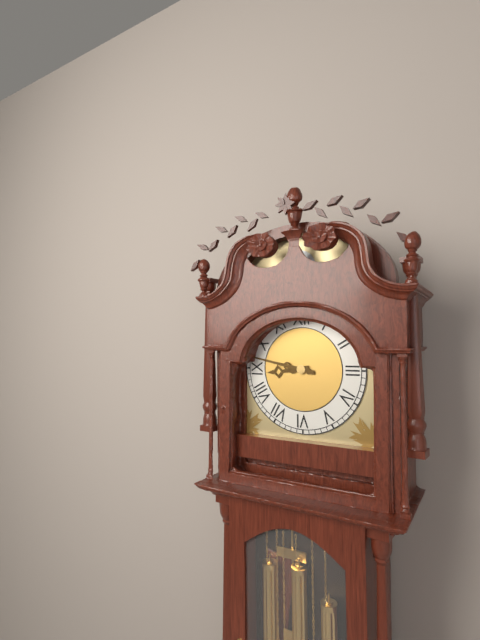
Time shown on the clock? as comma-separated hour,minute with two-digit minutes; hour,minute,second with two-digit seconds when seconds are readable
8,47
